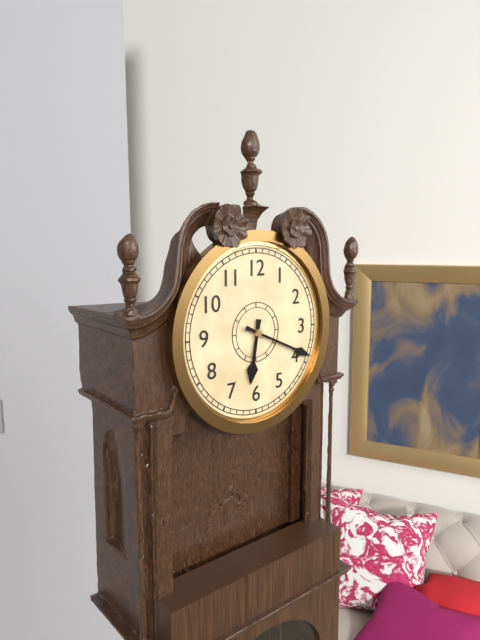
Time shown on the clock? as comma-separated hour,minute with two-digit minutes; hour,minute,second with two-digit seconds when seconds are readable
6,19
